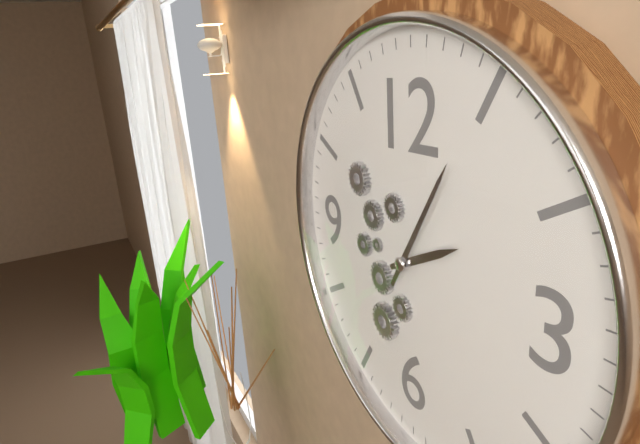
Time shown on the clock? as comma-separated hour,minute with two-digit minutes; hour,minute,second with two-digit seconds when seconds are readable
2,05
